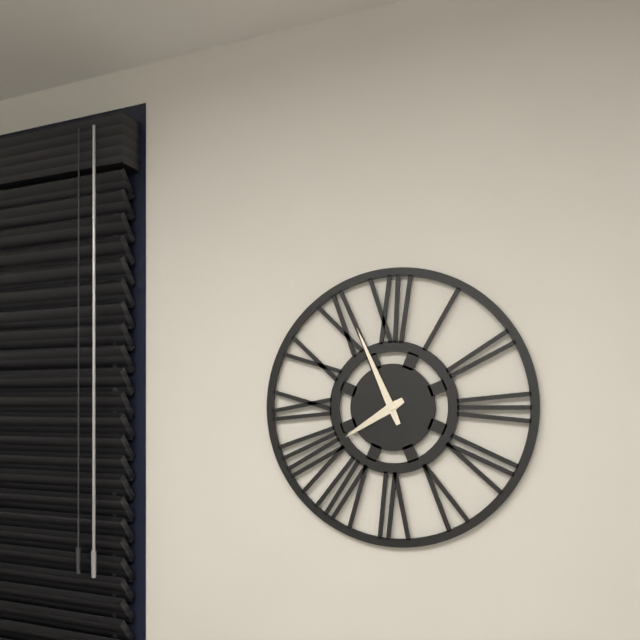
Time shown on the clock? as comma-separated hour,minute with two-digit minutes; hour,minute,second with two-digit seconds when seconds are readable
7,56
